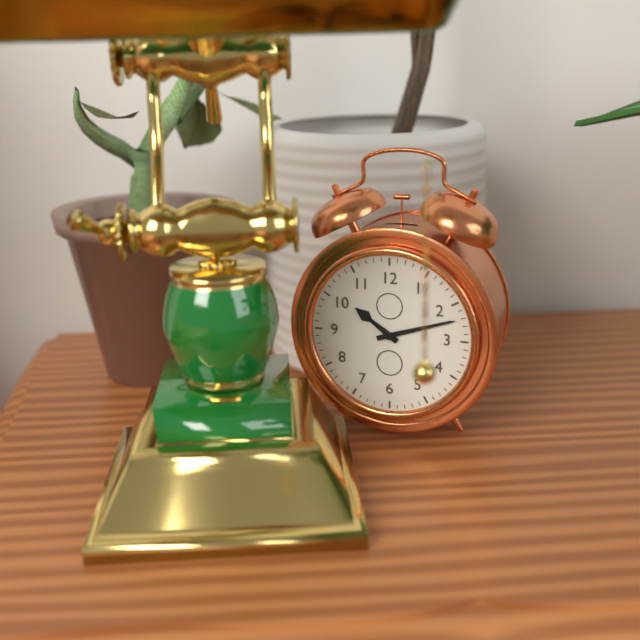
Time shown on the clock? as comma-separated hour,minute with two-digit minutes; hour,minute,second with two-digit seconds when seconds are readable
10,12
